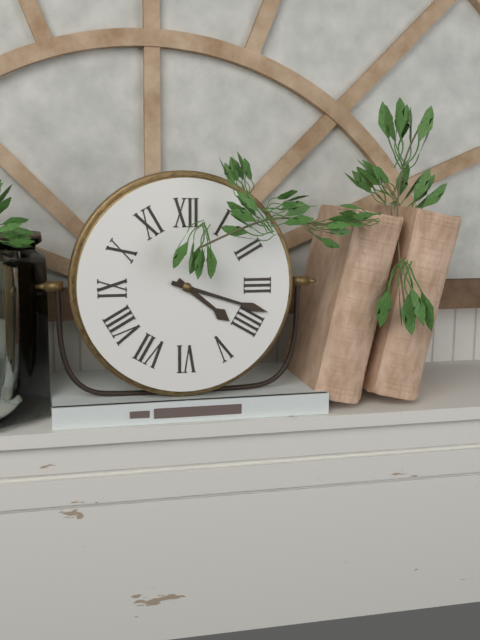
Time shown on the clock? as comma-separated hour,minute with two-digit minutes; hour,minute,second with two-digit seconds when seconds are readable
4,18
